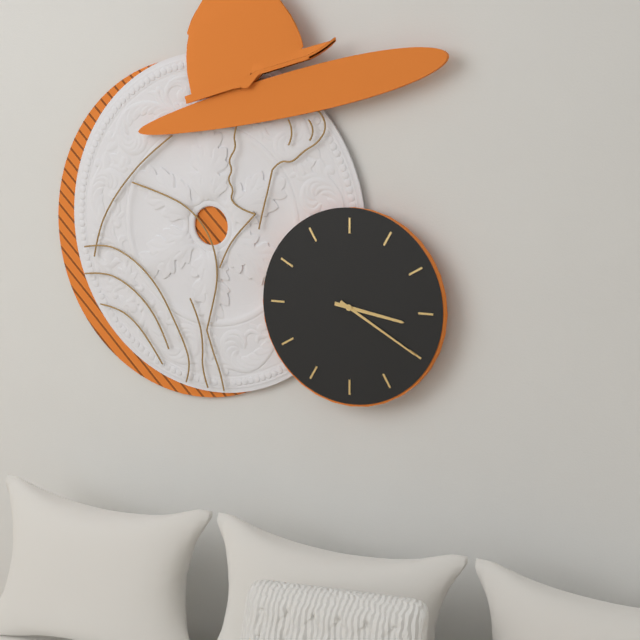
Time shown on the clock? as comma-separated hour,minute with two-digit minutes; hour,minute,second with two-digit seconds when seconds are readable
3,20
